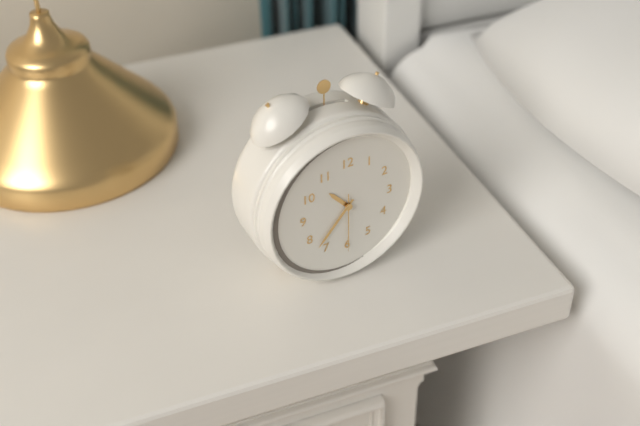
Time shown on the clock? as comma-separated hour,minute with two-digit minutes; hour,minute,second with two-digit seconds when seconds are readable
10,37,30
